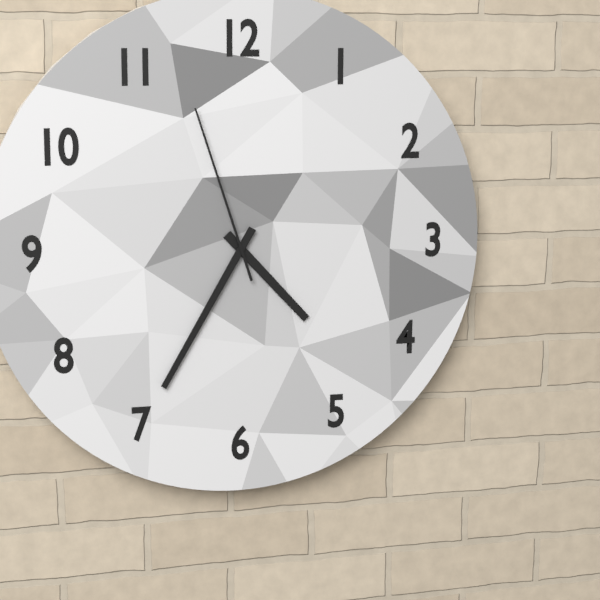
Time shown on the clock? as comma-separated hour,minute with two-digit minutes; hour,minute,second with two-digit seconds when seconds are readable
4,35,57
